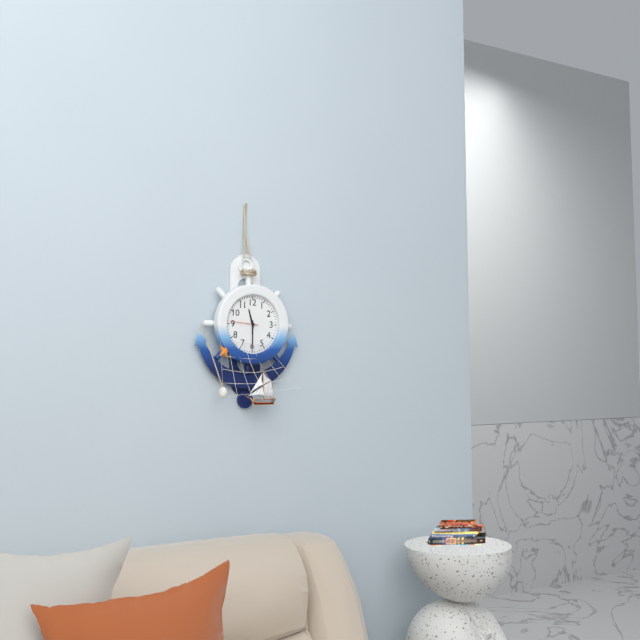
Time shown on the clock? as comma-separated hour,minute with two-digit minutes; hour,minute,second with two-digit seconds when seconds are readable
11,30
